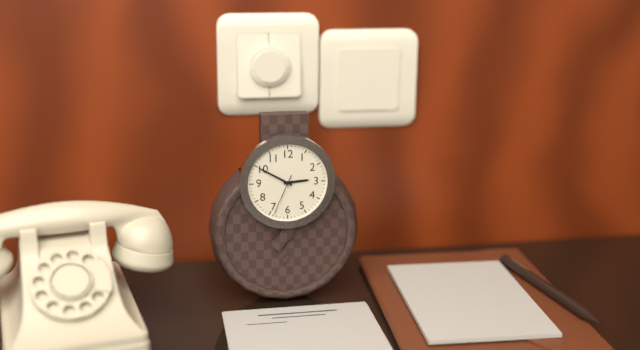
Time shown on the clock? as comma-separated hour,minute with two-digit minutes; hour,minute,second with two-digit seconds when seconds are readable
2,50
